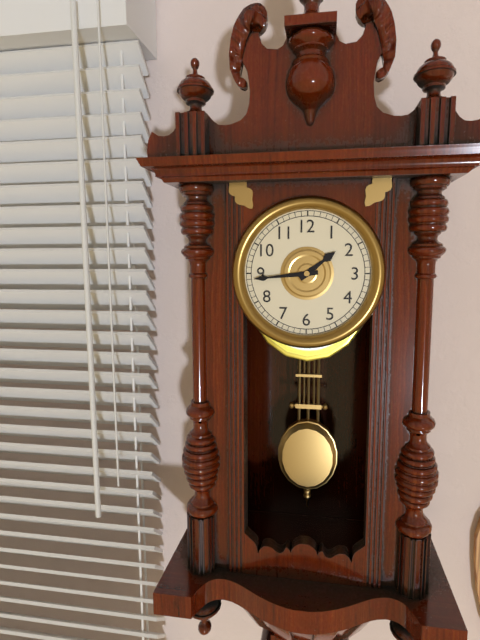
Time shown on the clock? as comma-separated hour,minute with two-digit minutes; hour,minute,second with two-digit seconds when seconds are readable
1,44
